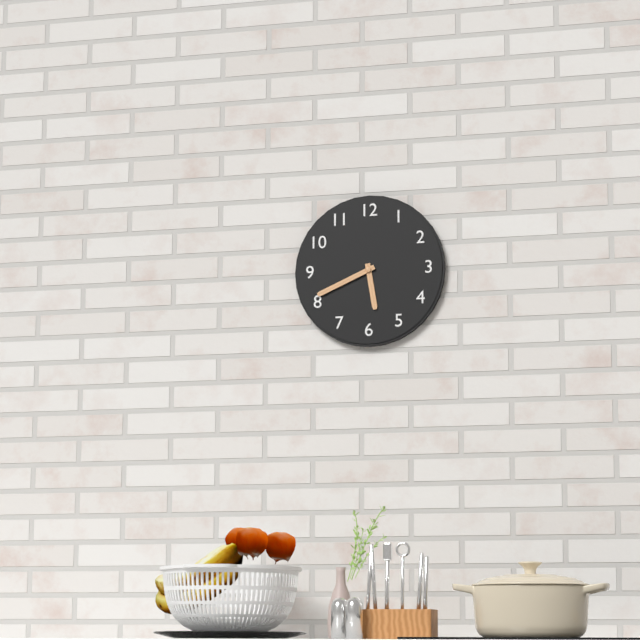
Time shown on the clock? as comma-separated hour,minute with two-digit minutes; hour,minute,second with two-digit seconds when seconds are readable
5,41
